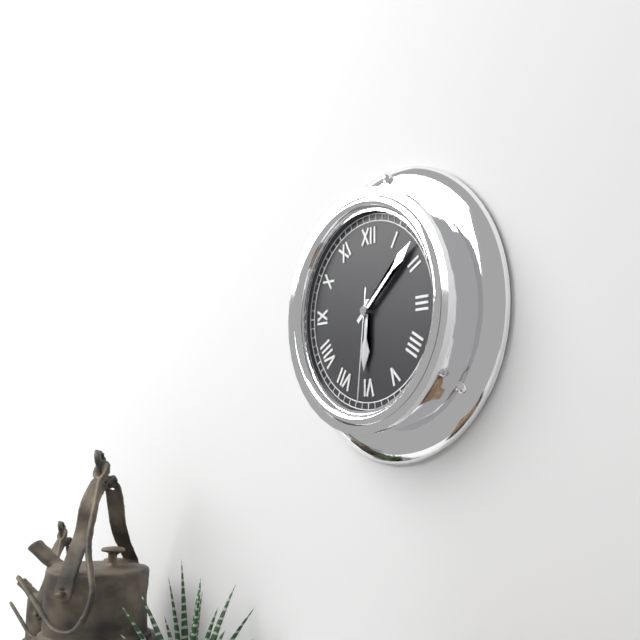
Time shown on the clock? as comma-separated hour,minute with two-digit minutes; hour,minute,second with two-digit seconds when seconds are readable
6,08,31
